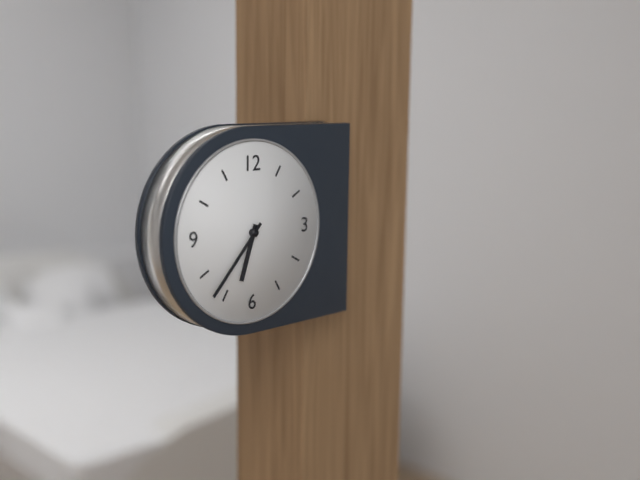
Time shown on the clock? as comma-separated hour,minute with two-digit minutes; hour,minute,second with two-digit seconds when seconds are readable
6,37
